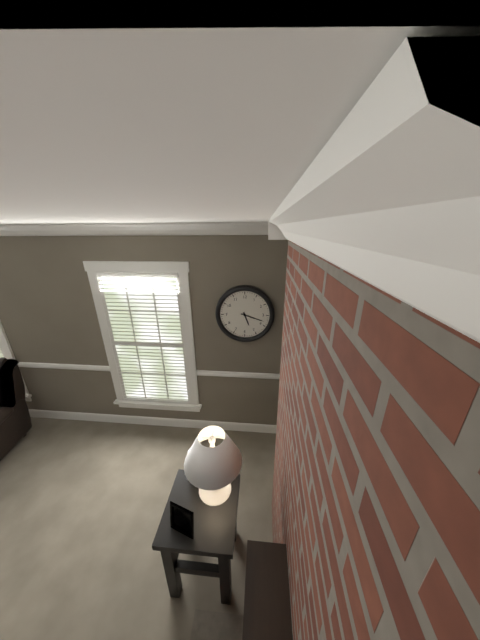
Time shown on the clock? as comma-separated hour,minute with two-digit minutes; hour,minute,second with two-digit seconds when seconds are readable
5,18
